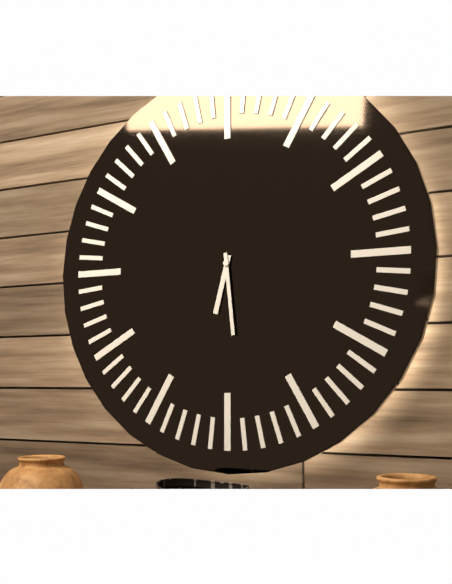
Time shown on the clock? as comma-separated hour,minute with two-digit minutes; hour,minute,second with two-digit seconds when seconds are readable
6,29
